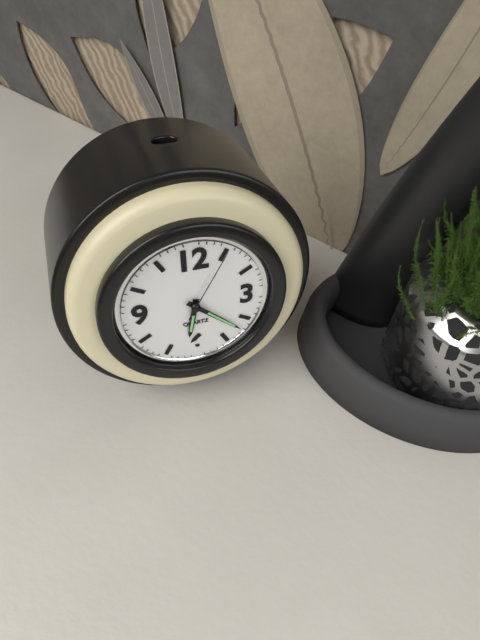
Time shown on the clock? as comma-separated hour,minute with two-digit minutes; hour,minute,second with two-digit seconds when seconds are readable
6,22,05
